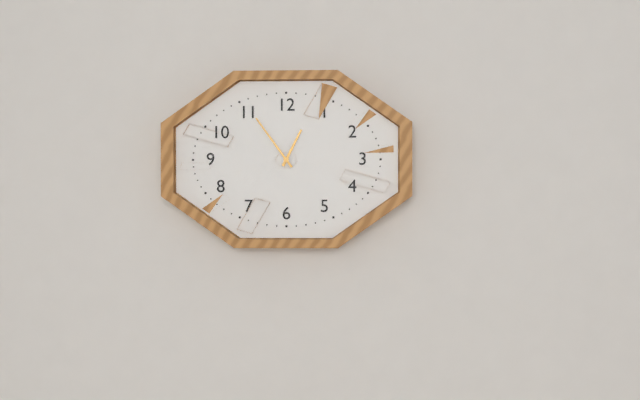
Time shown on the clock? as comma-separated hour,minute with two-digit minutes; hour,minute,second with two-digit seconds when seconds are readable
12,54
